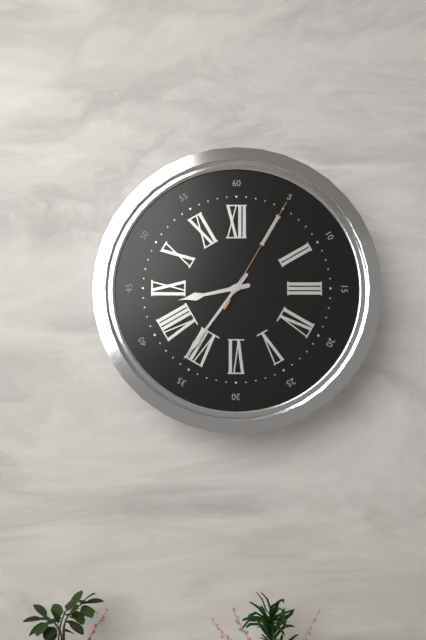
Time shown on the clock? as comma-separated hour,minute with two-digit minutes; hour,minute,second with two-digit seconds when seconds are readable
8,36,05
